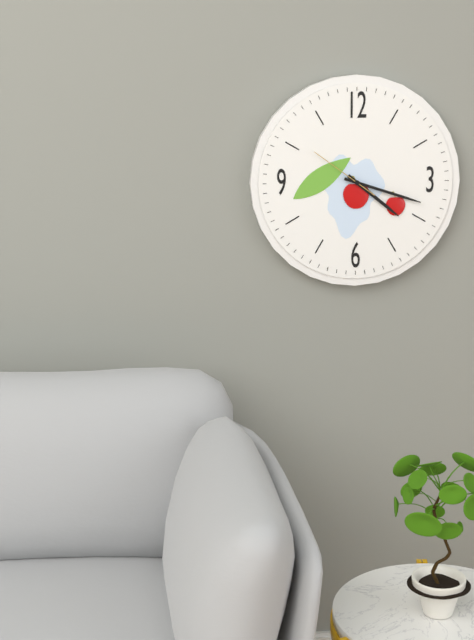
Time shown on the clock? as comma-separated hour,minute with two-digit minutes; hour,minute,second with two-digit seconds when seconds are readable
4,18,51
